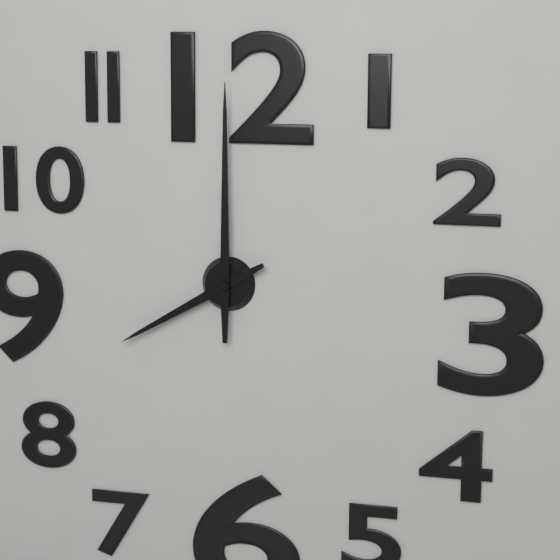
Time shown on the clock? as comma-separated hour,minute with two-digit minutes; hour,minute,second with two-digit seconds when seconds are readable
8,00
